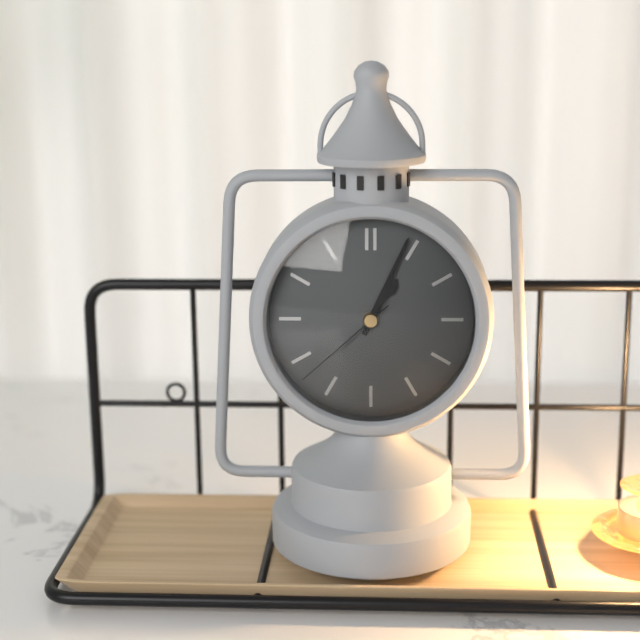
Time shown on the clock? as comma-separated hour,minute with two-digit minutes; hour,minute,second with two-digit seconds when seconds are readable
1,04,38
